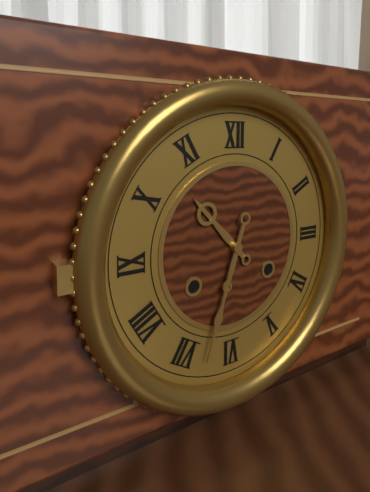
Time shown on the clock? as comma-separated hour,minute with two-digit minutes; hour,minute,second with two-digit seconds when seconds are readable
10,33
